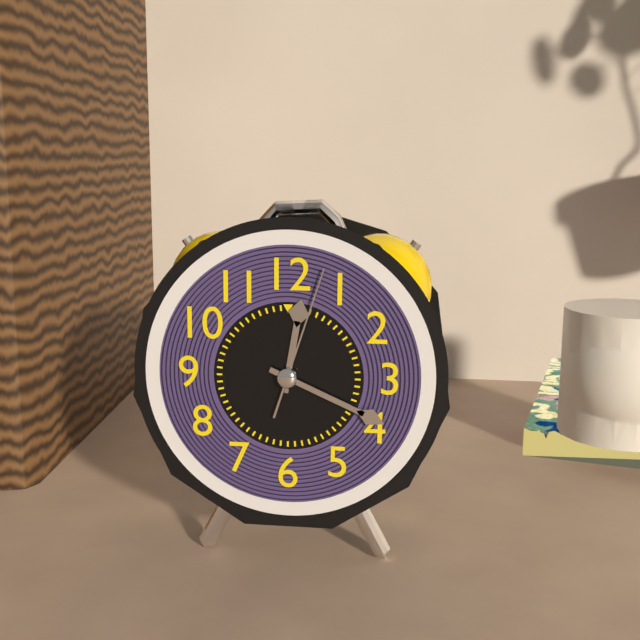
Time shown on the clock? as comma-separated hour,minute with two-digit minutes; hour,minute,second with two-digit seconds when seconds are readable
12,19,03
